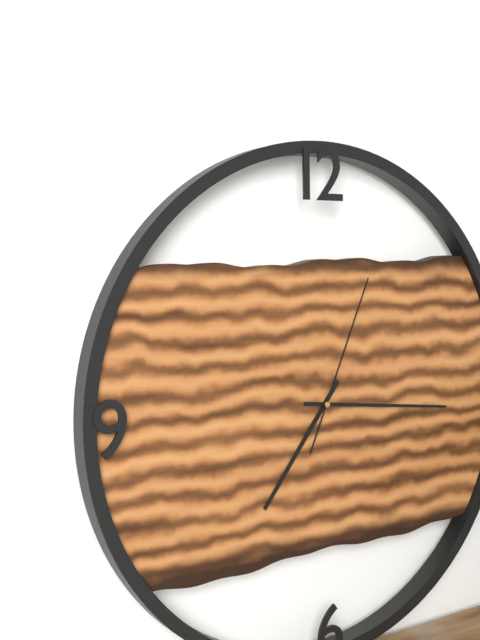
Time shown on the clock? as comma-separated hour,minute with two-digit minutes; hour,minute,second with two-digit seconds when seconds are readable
7,16,04
